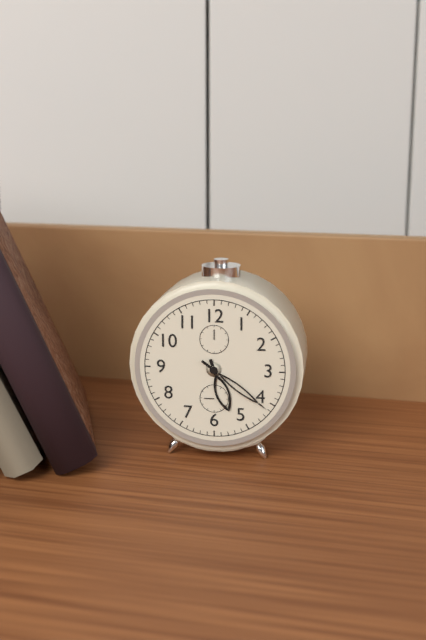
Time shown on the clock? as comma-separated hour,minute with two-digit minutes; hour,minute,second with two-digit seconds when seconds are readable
5,21
